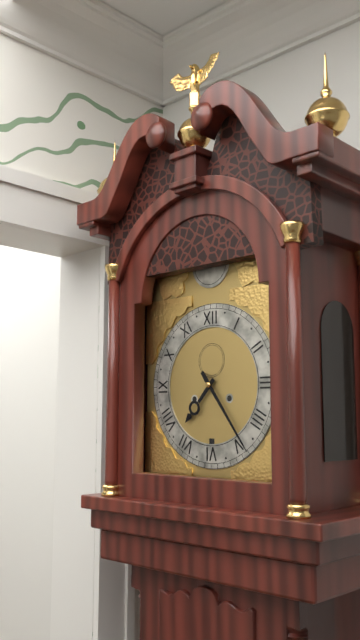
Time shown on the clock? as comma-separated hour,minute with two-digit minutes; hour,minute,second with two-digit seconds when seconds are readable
7,24
